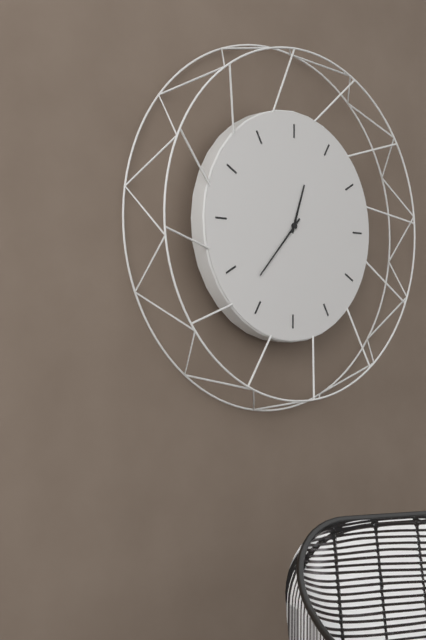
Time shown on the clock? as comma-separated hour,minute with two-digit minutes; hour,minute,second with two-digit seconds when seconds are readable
12,37
